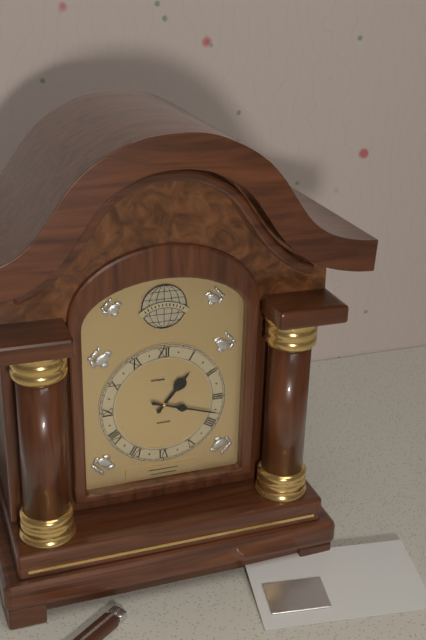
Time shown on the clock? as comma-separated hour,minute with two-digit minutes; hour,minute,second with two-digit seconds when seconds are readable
1,18
